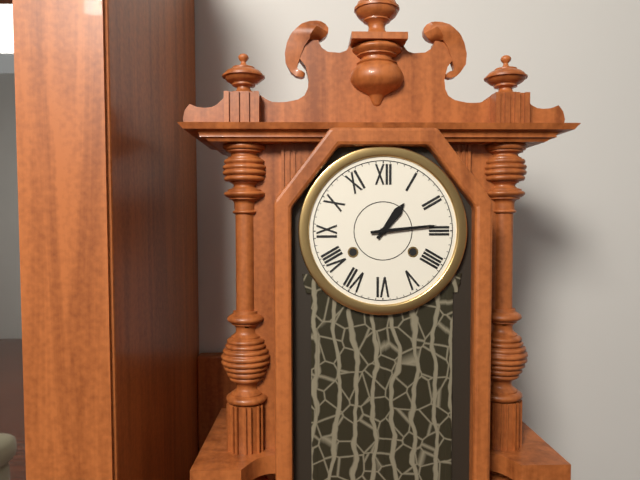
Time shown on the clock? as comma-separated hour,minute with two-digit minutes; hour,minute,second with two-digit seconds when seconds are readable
1,14
